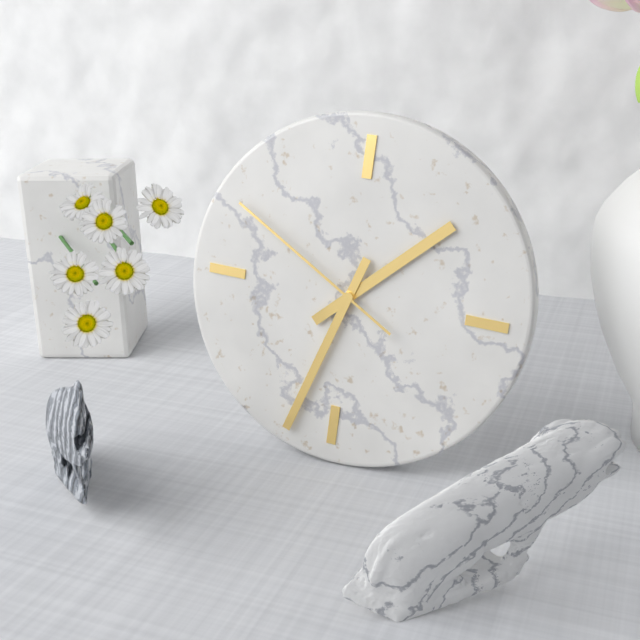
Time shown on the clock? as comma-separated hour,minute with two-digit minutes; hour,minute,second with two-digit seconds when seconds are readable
1,33,50
